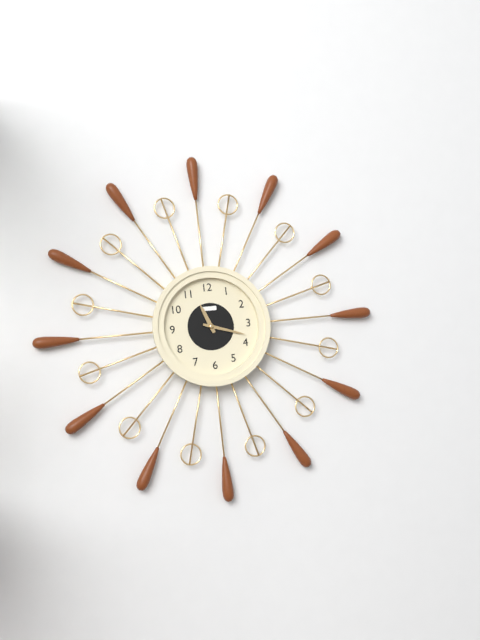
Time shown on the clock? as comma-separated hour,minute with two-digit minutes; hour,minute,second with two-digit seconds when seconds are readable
11,18
